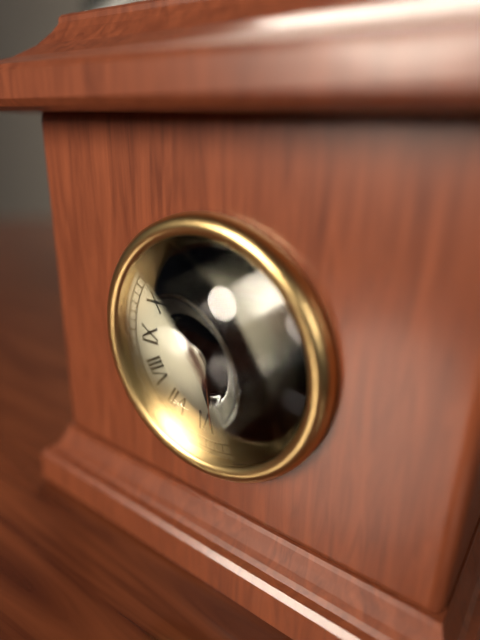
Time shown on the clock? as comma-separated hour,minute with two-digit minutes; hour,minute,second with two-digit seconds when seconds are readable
5,54,29
